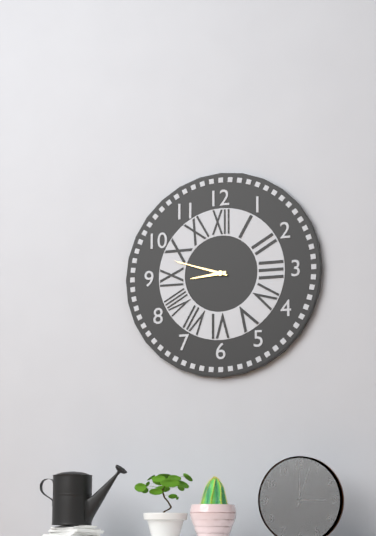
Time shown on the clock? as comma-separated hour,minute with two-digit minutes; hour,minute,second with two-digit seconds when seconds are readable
8,48
